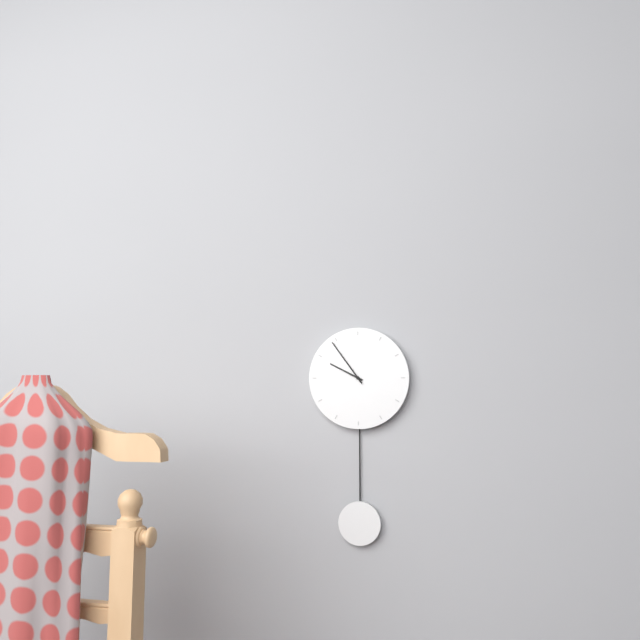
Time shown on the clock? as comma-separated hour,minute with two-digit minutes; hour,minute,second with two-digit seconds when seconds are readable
9,54
